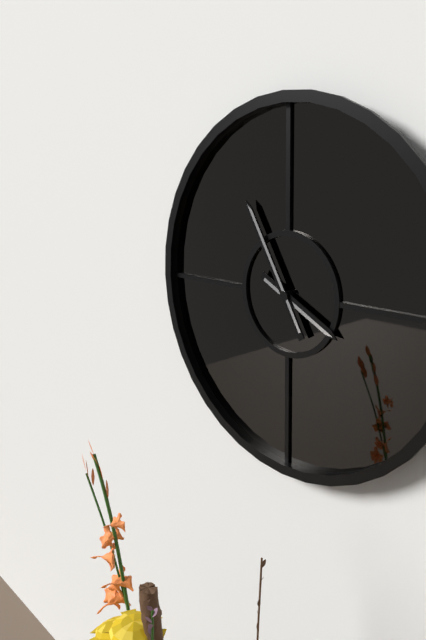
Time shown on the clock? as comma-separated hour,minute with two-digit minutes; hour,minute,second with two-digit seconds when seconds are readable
3,55
